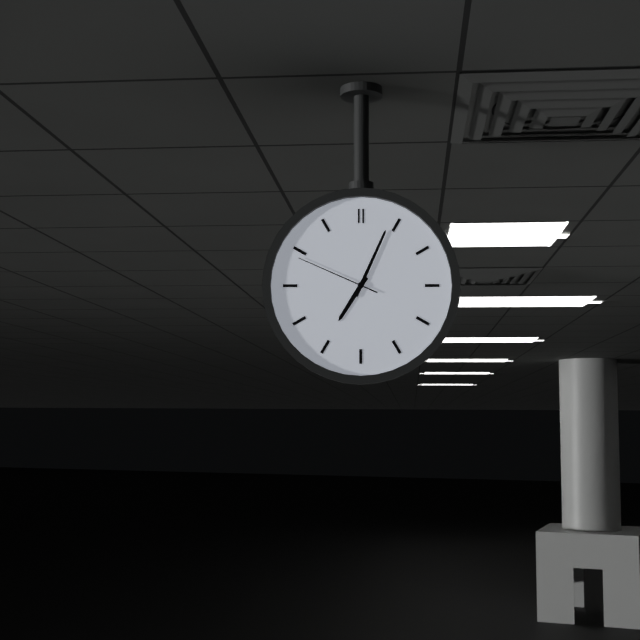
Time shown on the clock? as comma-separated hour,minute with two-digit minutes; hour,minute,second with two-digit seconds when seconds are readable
7,04,49
